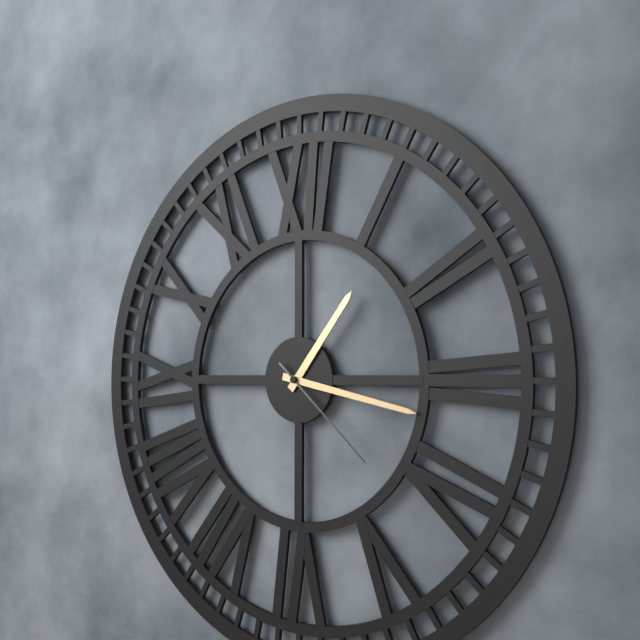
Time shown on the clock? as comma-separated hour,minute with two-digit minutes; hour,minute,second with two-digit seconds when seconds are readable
1,17,22
